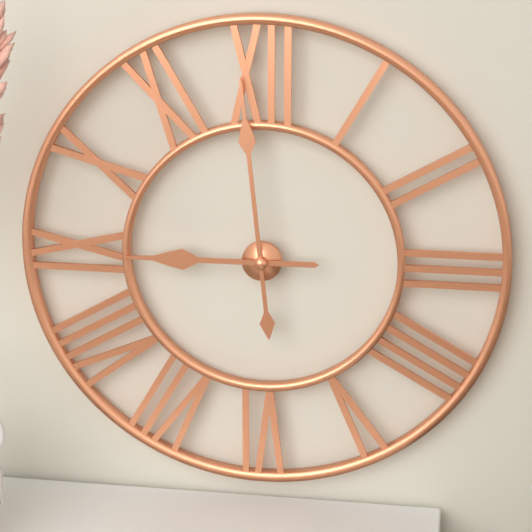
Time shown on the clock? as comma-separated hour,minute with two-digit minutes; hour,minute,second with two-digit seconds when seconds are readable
8,59
